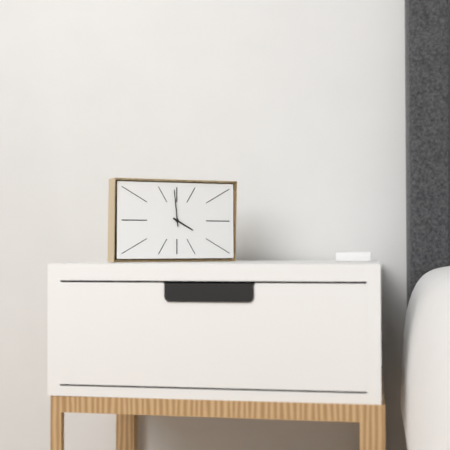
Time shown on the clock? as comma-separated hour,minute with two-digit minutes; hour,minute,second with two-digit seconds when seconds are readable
3,59
